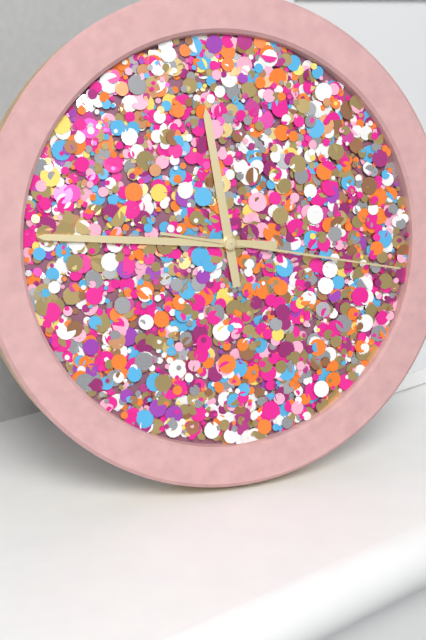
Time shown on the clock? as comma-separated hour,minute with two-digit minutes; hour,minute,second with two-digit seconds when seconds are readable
11,46,17
